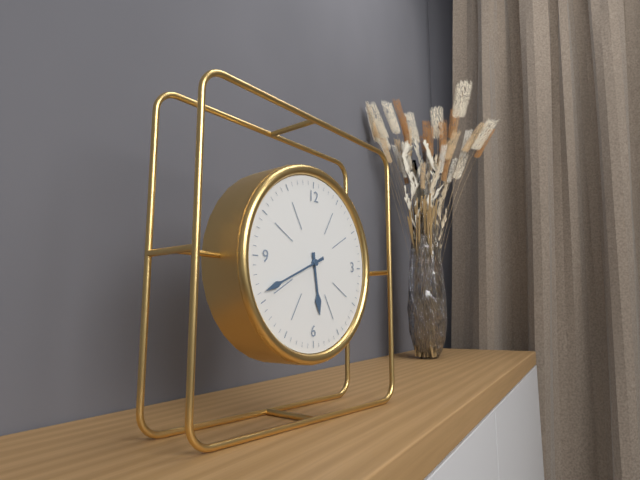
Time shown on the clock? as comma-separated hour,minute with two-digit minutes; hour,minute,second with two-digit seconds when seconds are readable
5,41
